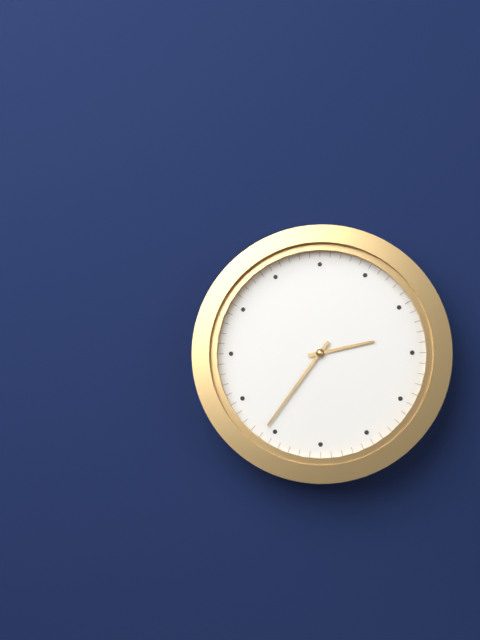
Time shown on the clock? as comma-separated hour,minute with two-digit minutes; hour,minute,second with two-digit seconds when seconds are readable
2,36
